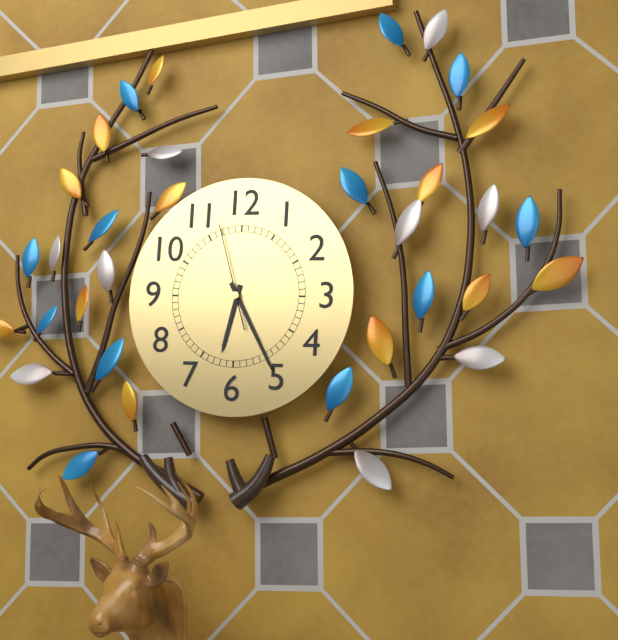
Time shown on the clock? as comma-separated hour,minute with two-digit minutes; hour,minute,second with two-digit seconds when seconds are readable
6,25,57
